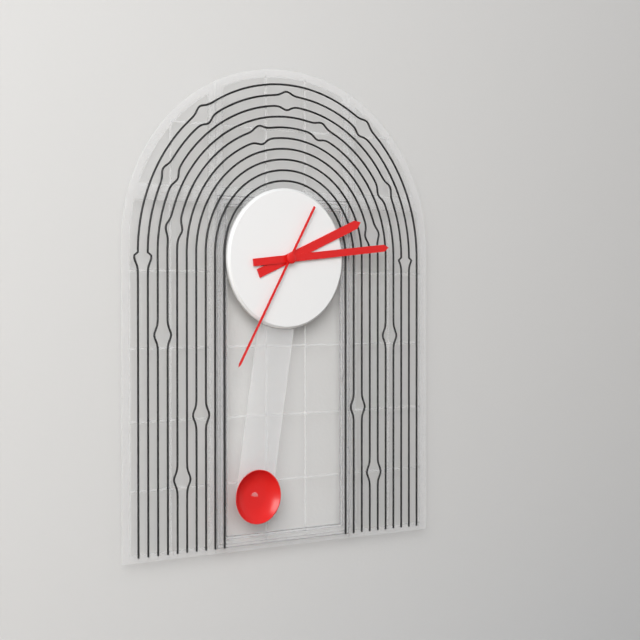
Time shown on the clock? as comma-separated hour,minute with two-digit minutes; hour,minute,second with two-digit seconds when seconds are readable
2,14,35
